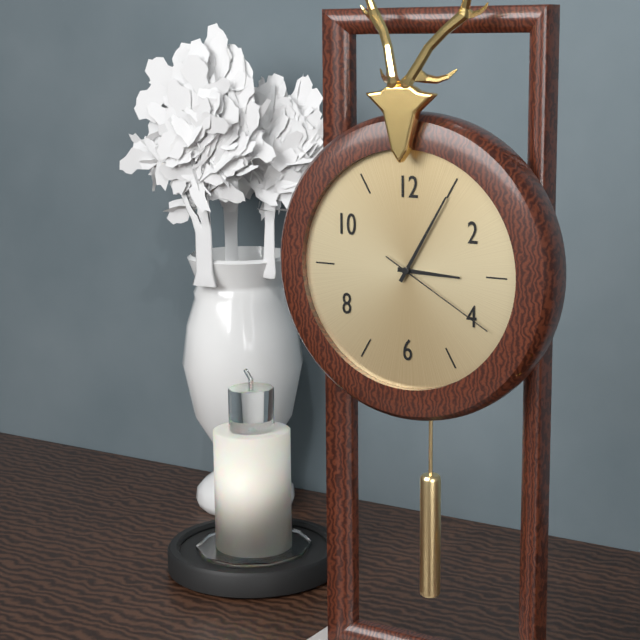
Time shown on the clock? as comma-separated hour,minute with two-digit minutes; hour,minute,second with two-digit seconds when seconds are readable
3,05,20
